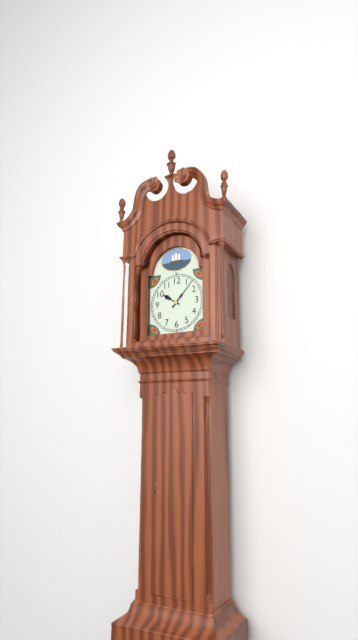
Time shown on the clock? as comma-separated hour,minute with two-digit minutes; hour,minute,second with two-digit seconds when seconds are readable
10,07
